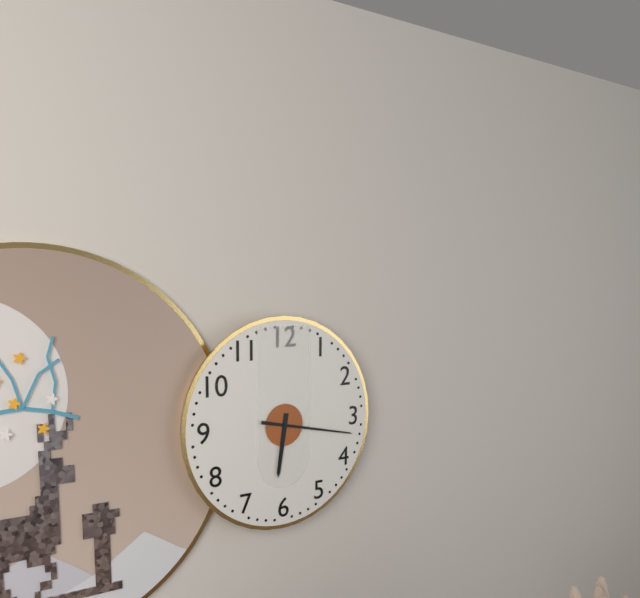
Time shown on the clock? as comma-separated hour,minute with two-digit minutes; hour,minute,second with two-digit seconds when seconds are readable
6,17
